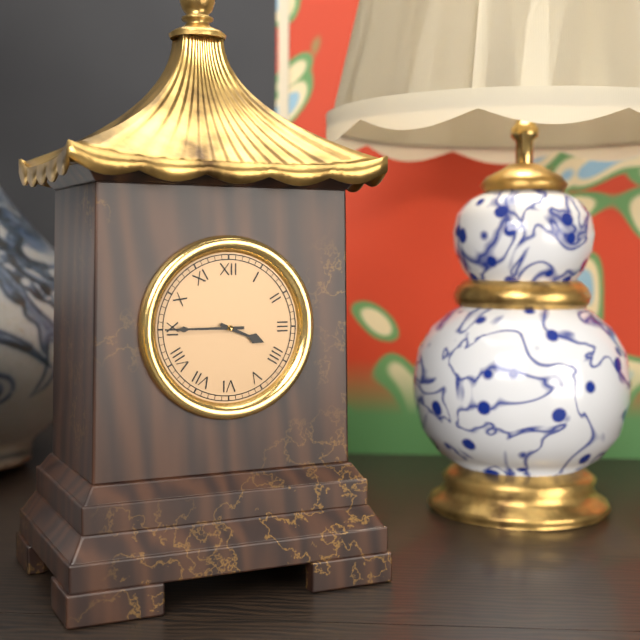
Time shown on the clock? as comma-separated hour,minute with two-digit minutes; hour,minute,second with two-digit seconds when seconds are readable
3,45
